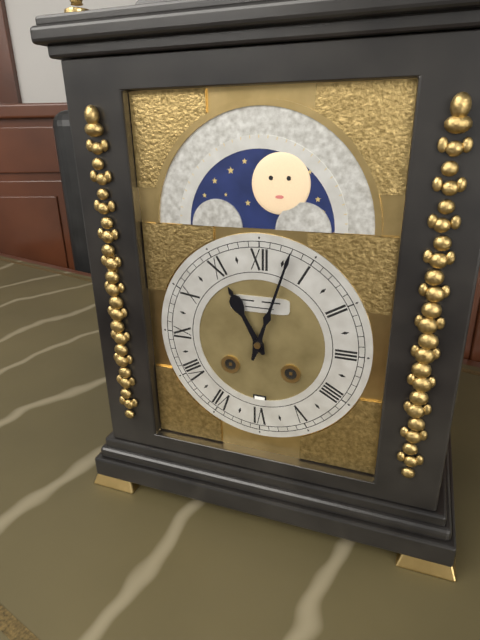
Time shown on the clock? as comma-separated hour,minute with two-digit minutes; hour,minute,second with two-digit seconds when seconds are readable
11,03
